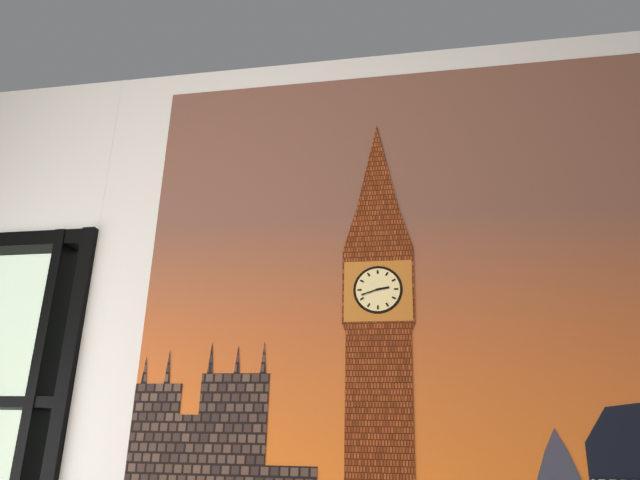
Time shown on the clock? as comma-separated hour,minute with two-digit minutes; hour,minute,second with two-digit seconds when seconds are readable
2,42
